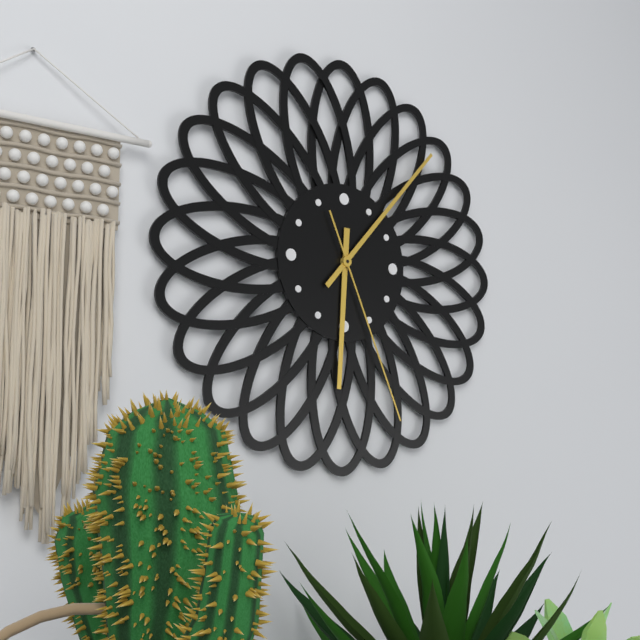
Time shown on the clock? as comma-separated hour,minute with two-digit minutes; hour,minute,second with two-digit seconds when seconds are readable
6,07,26
